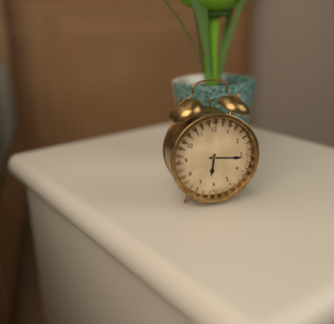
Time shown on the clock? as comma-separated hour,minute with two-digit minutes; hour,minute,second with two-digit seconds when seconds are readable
6,16
